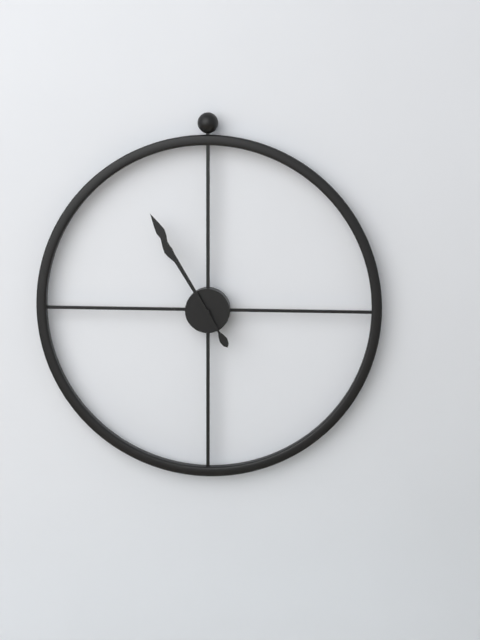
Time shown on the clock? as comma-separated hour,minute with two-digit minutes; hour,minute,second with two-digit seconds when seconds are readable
10,55
